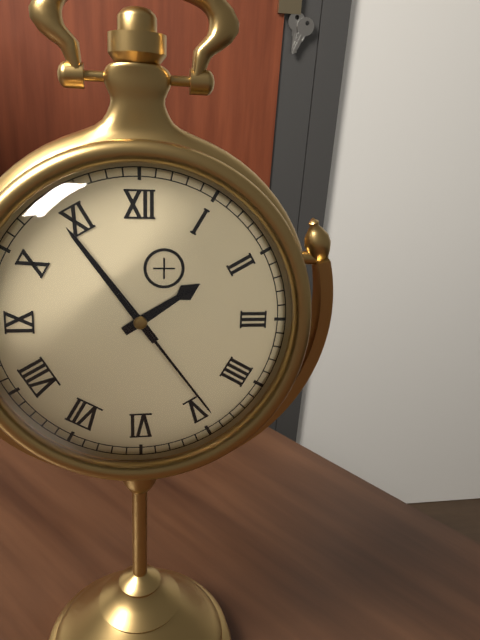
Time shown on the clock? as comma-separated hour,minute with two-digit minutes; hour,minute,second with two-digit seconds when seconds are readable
1,54,24
